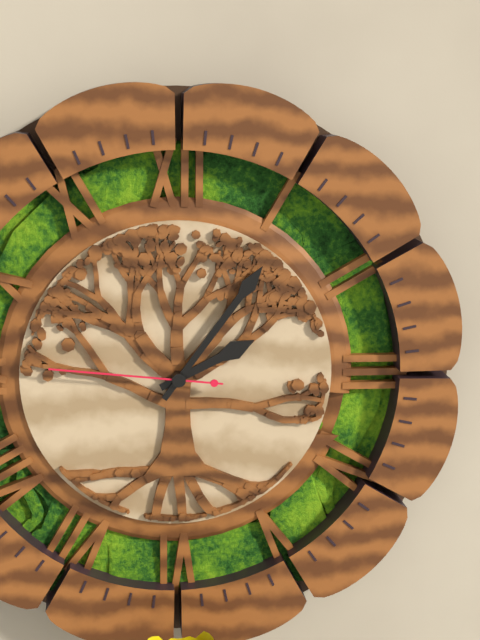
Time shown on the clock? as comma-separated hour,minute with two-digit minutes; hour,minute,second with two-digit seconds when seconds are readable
2,06,46
